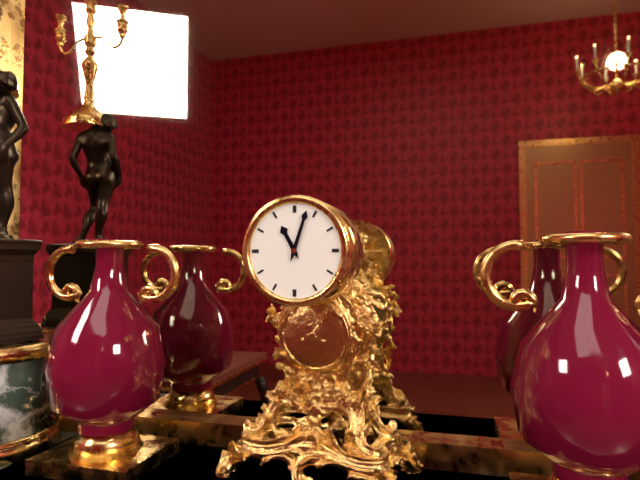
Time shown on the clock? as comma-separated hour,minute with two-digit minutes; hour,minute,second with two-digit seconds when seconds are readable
11,03
